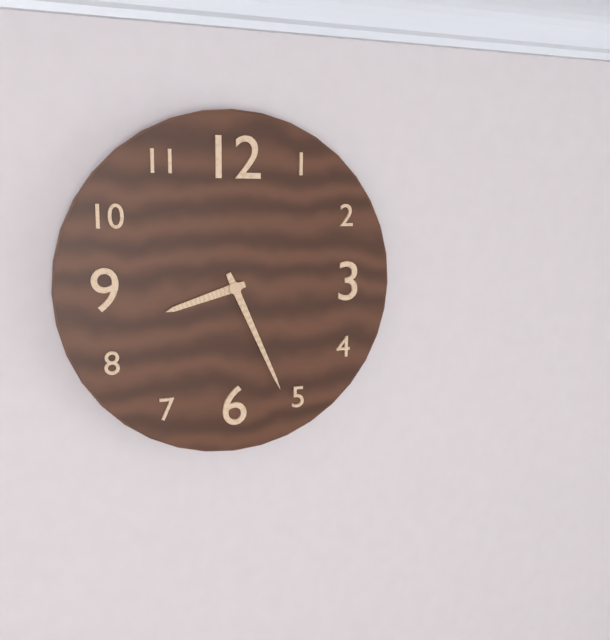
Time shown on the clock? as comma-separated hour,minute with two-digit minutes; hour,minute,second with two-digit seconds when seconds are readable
8,26
